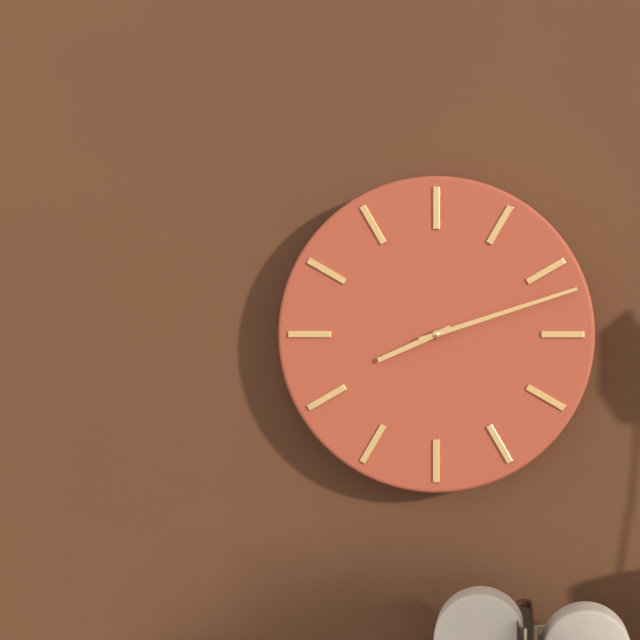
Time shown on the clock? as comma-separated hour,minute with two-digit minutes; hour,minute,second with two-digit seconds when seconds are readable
8,12
